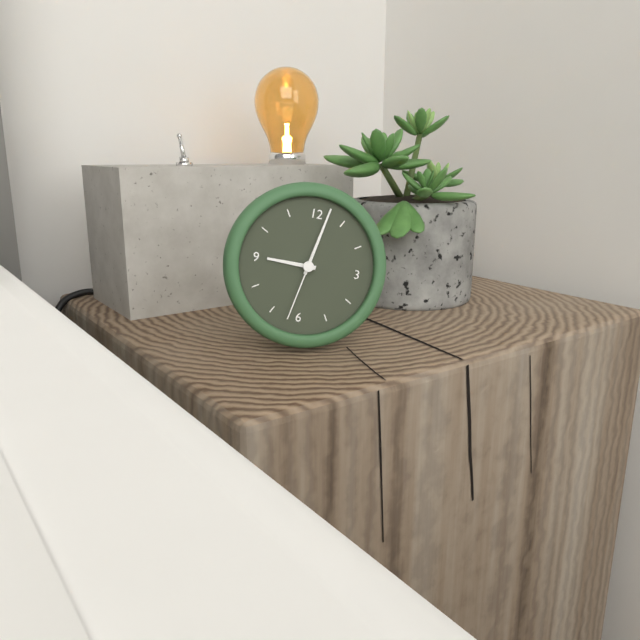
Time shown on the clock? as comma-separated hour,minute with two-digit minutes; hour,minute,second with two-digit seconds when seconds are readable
9,02,32
